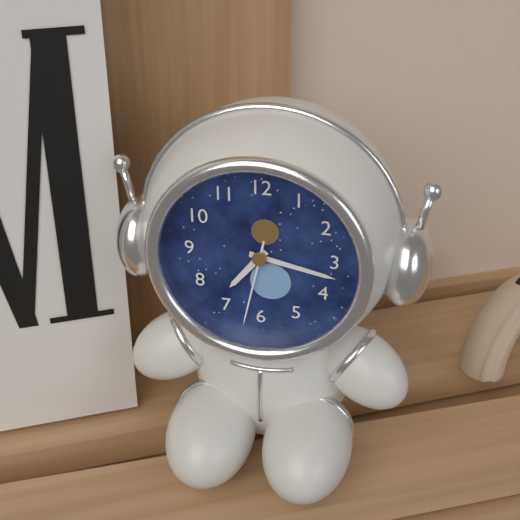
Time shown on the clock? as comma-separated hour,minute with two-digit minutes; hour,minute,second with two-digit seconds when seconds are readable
7,17,32
